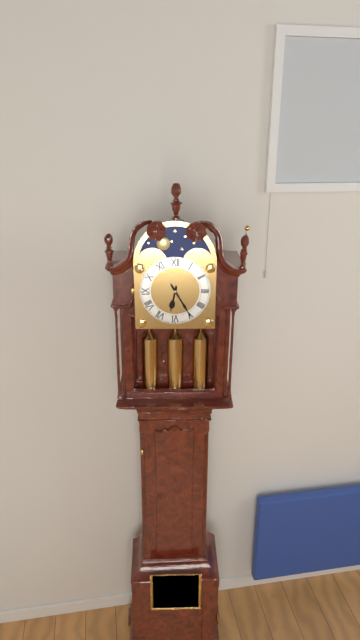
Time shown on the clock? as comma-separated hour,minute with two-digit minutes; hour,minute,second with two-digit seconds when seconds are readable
6,25
